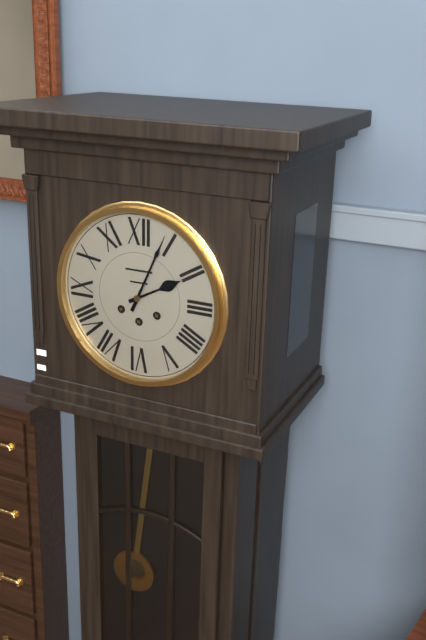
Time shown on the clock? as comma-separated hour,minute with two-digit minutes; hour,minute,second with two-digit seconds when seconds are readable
2,04
